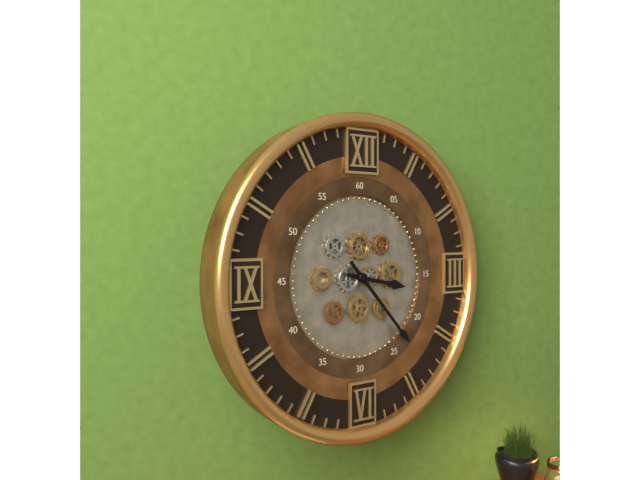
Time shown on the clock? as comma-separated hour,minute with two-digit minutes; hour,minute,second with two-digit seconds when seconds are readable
3,23
